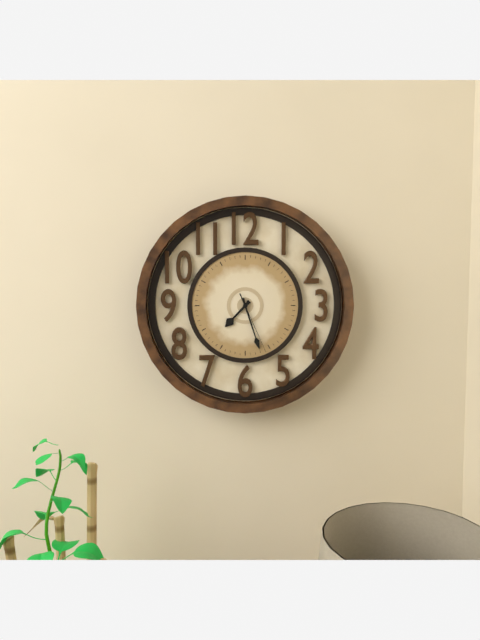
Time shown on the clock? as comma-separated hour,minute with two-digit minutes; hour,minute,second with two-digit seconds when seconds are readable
7,27,26
